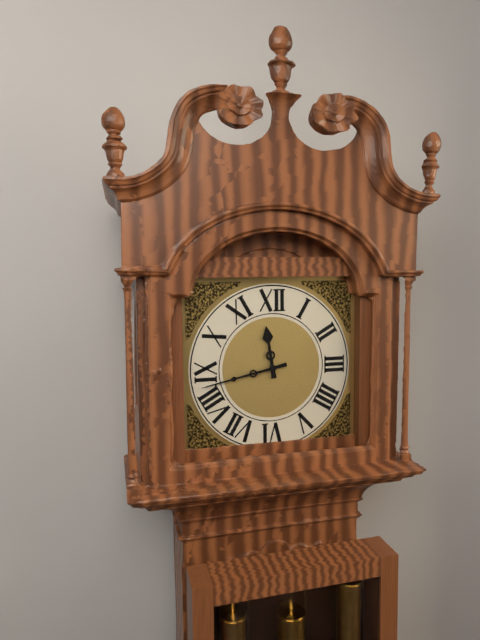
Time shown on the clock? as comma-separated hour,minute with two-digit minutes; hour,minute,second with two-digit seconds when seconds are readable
11,43
